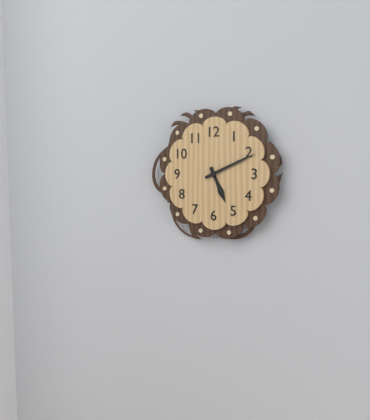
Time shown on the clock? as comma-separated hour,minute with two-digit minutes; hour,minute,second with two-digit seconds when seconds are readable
5,11
